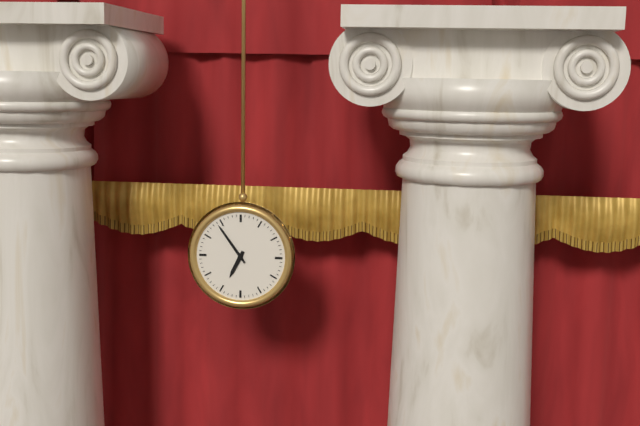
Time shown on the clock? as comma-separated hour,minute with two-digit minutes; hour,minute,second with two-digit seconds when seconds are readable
6,54
